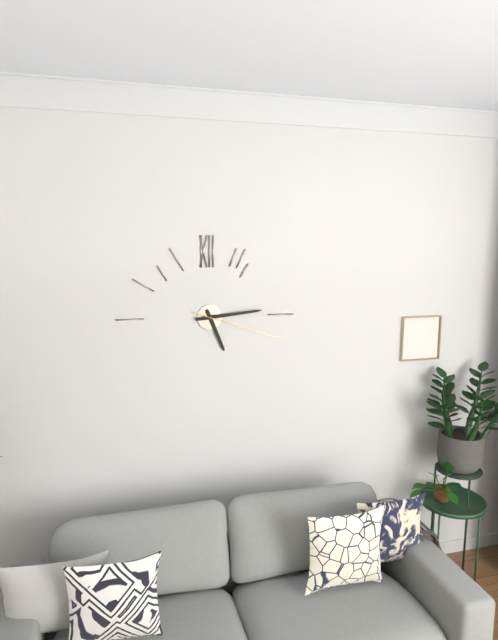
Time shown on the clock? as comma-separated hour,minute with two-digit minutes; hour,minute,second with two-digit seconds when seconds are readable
5,14,18
